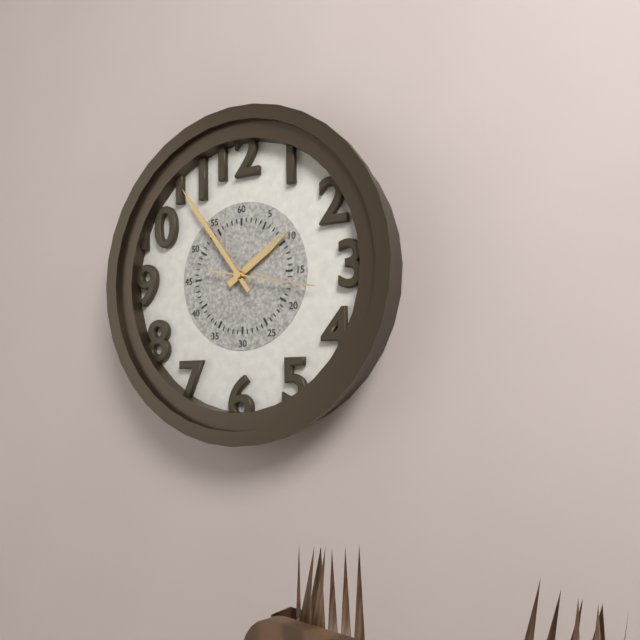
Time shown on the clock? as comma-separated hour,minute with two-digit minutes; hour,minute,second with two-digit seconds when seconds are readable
1,54,17
